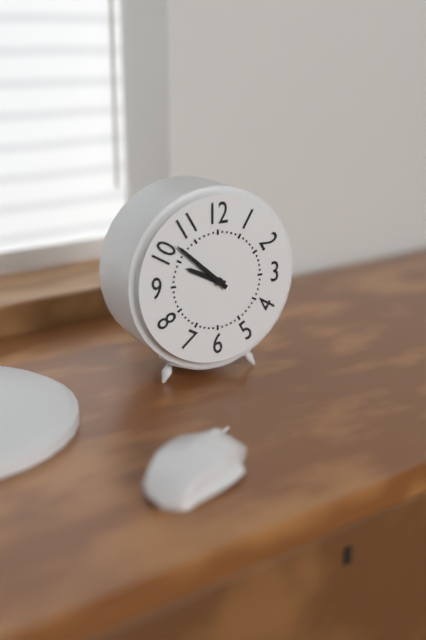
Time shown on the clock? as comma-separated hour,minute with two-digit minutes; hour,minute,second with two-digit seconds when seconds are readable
9,52
